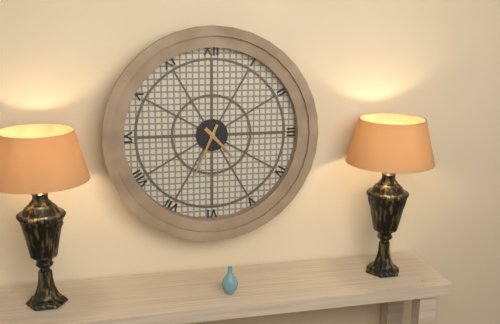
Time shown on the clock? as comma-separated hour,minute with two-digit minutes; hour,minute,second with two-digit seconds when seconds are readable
4,34
